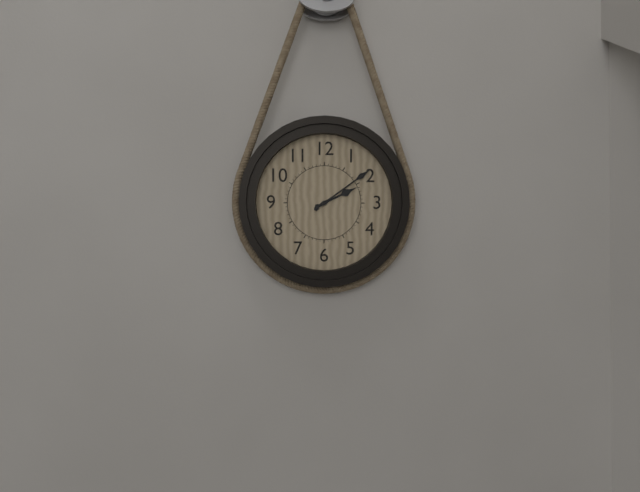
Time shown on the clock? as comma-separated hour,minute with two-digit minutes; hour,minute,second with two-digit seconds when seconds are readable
2,09
